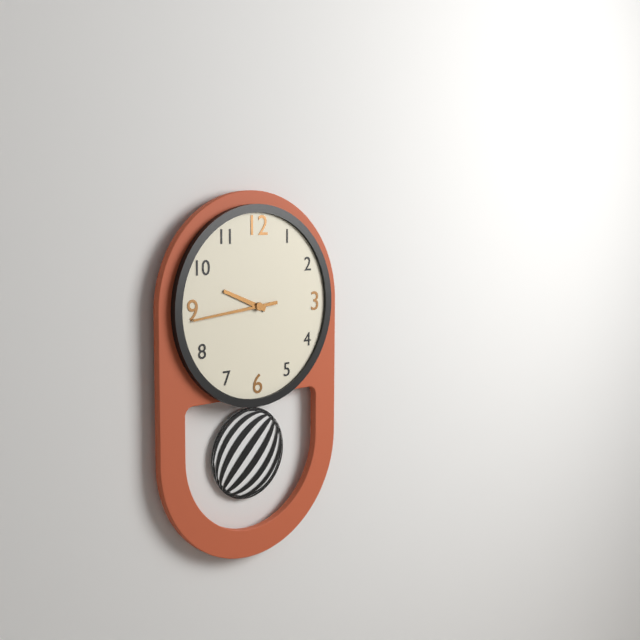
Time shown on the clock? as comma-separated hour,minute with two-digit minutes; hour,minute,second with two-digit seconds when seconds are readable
9,44
